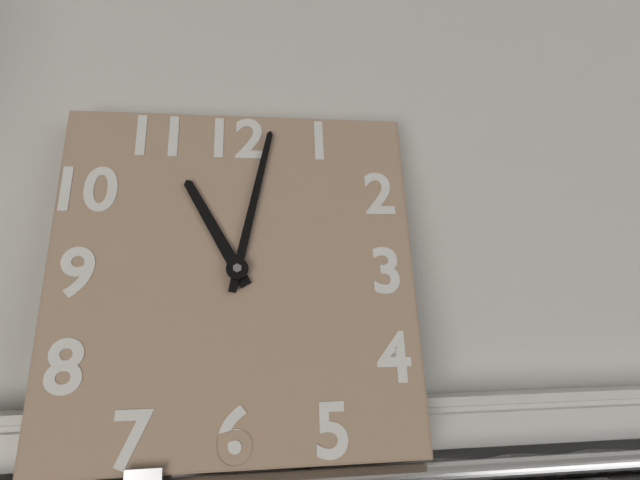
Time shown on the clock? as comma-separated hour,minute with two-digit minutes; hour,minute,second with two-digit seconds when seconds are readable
11,02
